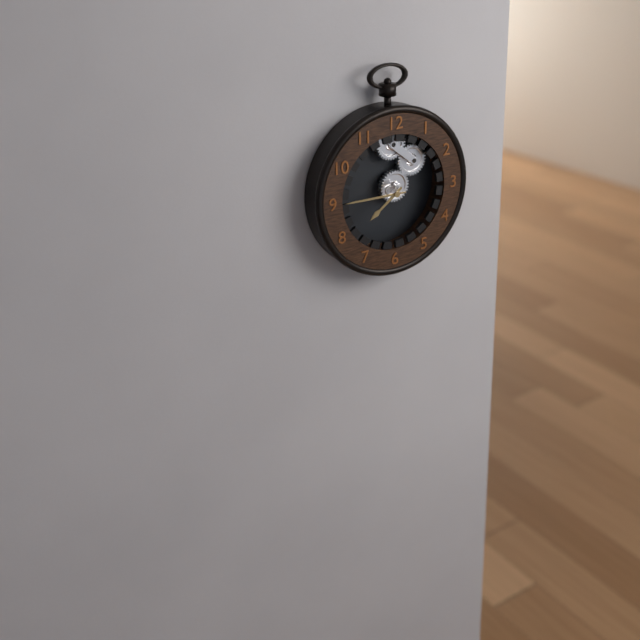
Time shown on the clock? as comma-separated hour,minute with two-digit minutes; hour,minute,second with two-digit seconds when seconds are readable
7,45
